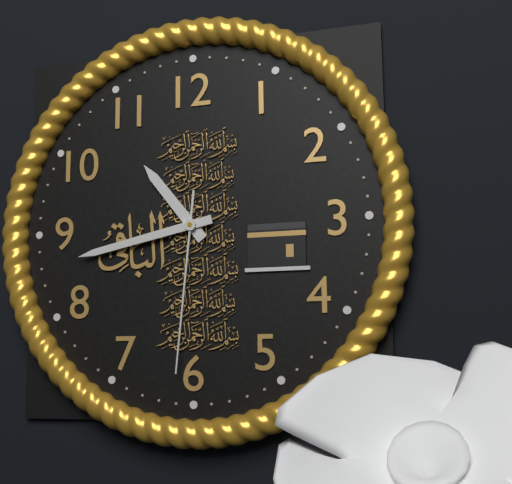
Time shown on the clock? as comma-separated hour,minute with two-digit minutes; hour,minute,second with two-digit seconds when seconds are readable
10,43,31
